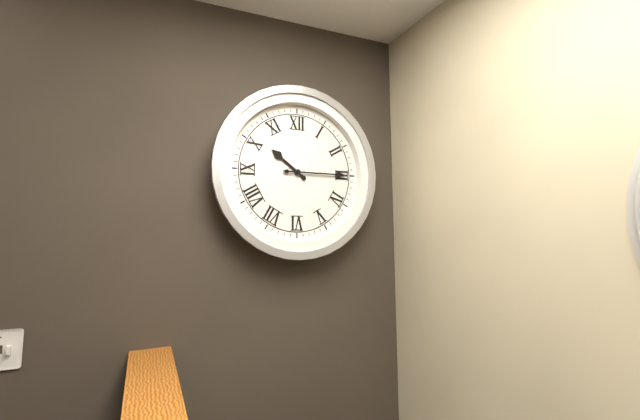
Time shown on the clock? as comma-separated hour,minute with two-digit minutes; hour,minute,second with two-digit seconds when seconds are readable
10,15
